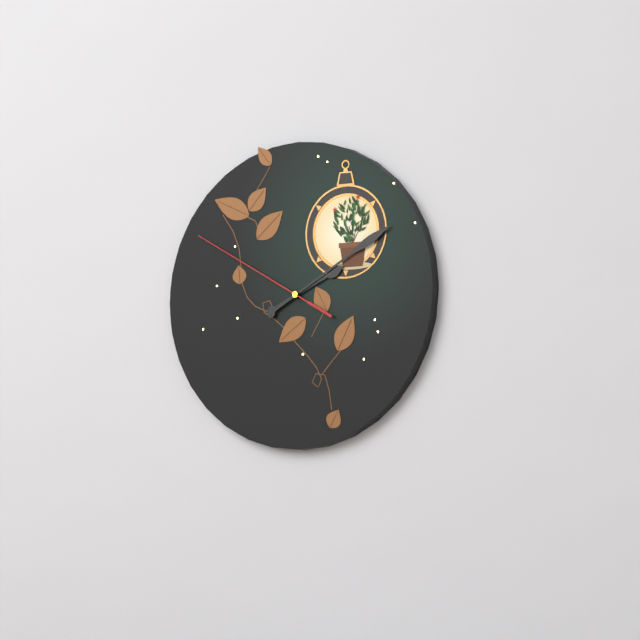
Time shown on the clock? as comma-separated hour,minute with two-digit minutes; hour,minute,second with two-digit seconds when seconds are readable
2,10,50
